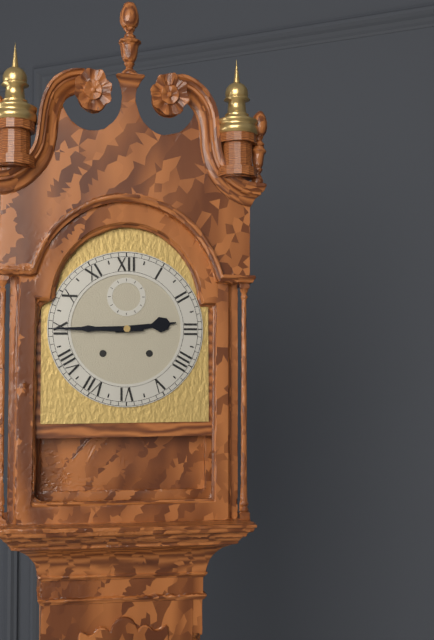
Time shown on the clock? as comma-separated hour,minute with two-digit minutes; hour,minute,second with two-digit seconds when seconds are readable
2,45
